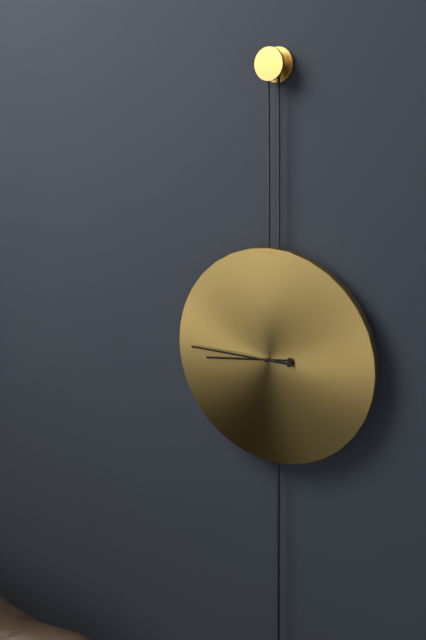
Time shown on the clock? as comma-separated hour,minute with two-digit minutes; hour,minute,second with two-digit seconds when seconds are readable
8,45
